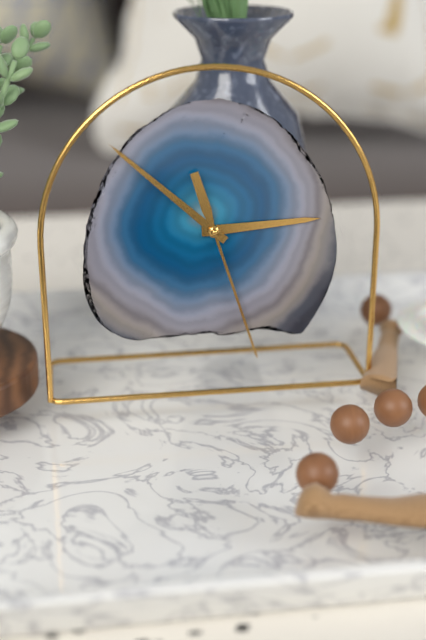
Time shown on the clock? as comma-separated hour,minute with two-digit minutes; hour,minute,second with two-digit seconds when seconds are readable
2,52,27
